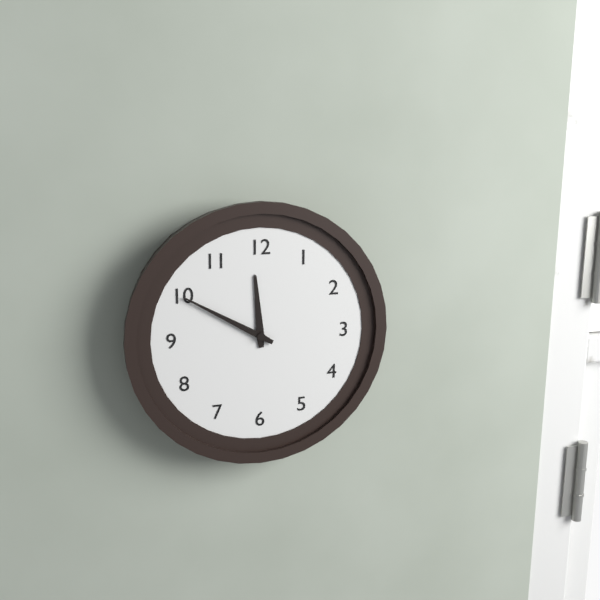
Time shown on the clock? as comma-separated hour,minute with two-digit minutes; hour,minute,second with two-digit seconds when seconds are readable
11,50
